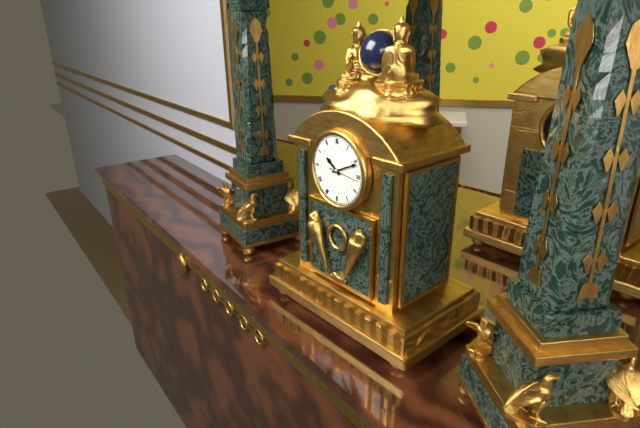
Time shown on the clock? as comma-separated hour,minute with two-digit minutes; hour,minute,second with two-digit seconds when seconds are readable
10,11
